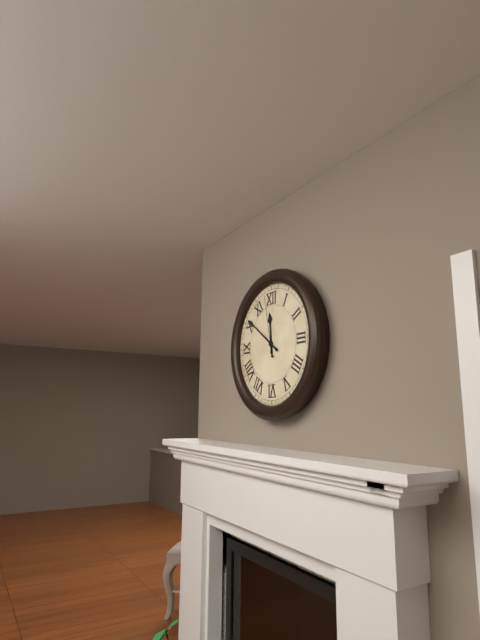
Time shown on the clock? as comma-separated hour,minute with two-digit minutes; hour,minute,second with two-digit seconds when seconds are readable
11,51,58
